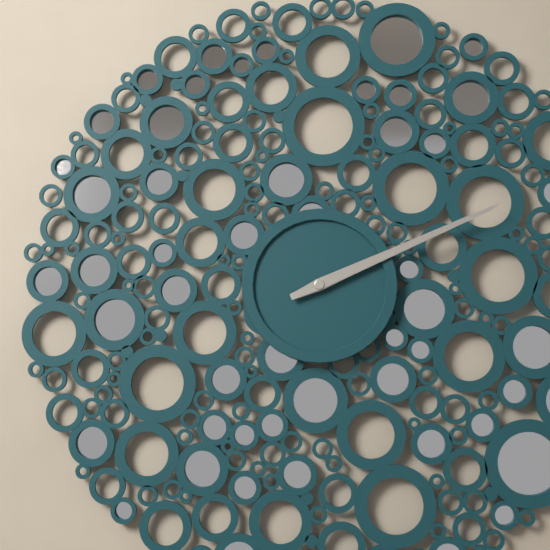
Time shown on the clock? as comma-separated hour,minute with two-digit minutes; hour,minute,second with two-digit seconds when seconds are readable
2,11
